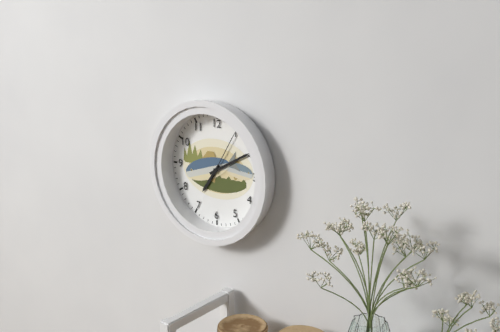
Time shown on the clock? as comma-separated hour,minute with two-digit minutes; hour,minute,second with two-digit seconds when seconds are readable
7,10,05
